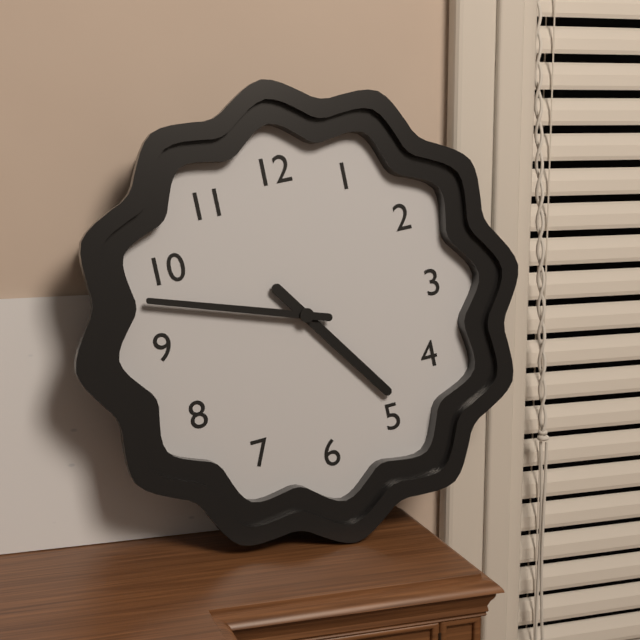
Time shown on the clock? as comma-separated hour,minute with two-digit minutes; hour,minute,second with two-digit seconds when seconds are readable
4,48
